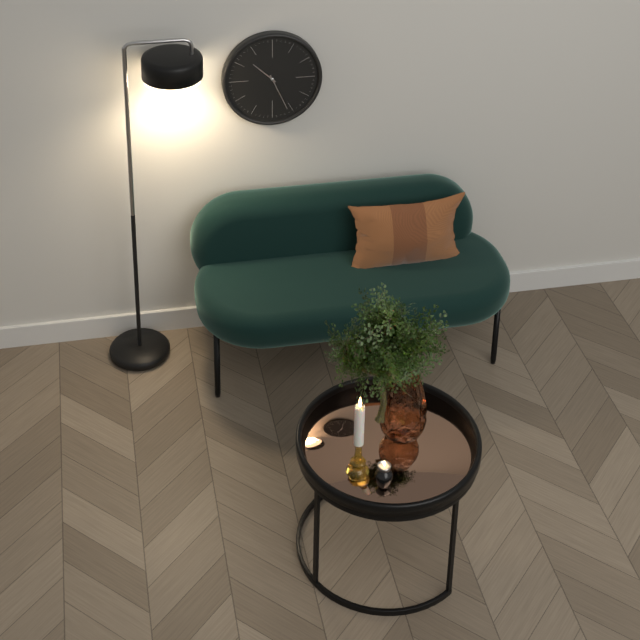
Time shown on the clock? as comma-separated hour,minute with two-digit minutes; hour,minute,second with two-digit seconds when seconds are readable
10,26
